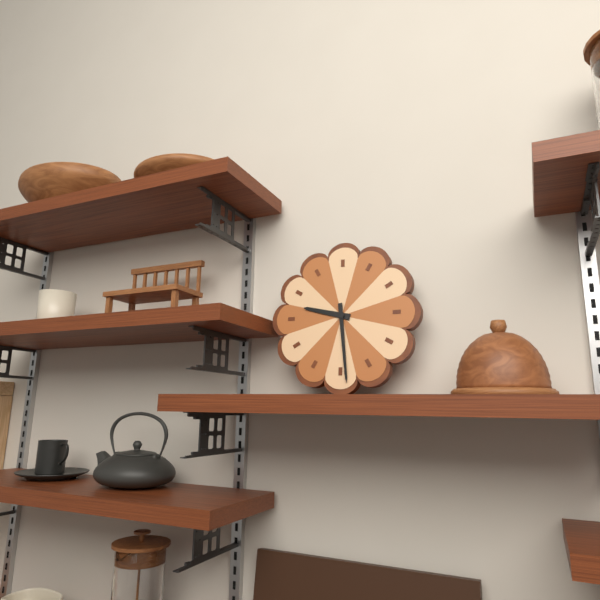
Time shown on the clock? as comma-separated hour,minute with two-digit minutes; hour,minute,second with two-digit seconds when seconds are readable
9,29
